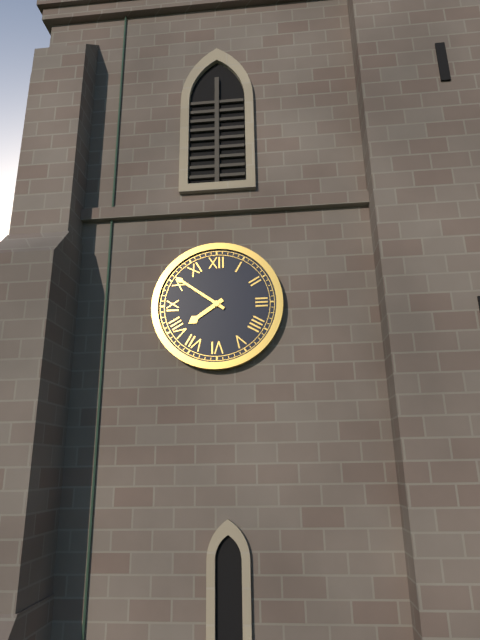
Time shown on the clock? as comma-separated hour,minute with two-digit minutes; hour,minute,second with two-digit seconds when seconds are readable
7,51
